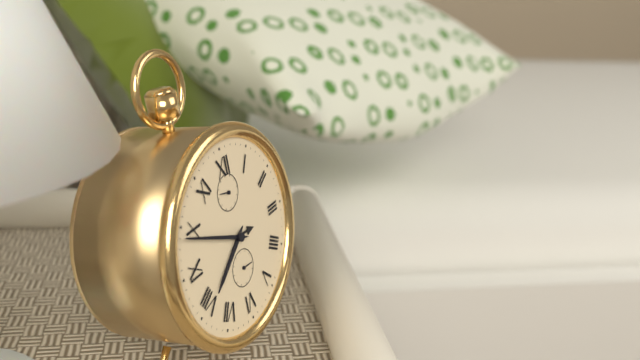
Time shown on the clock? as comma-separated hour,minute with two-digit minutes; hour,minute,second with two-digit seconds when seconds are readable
7,49
